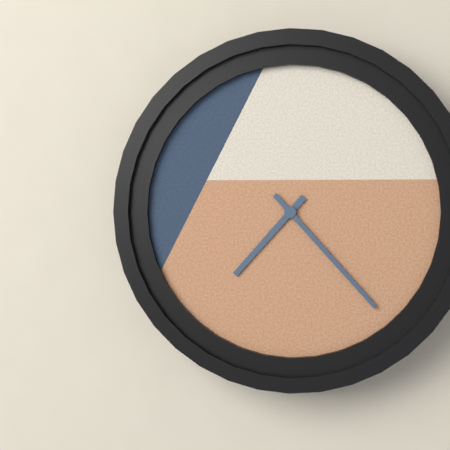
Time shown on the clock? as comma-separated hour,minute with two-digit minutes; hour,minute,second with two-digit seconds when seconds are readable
7,23
